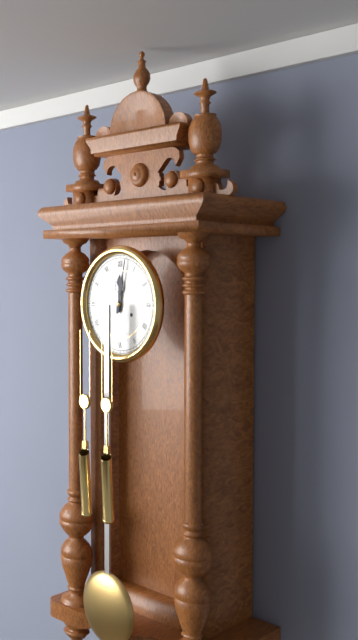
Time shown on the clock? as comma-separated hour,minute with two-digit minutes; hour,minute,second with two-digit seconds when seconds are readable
12,02
